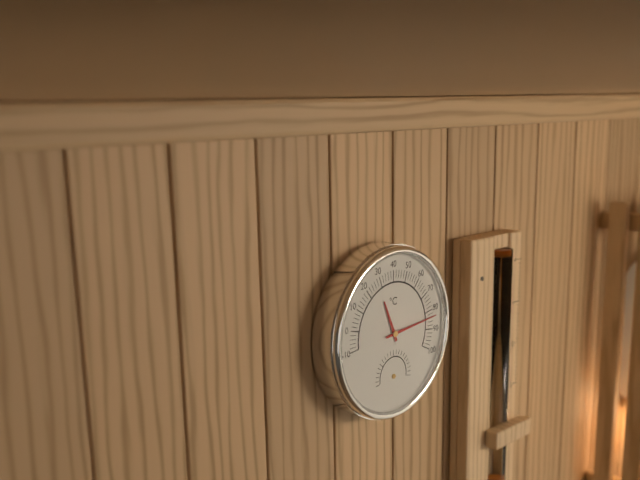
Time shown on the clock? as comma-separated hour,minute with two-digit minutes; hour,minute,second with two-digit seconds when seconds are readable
11,14
